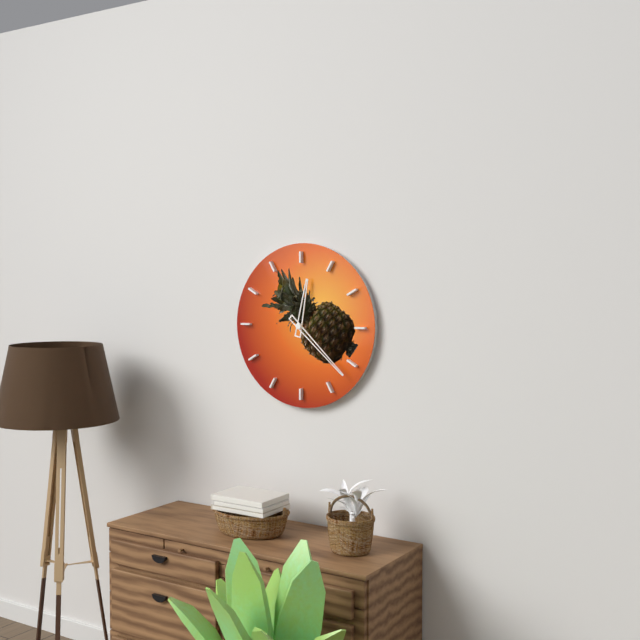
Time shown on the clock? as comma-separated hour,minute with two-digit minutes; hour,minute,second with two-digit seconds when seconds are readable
12,22
